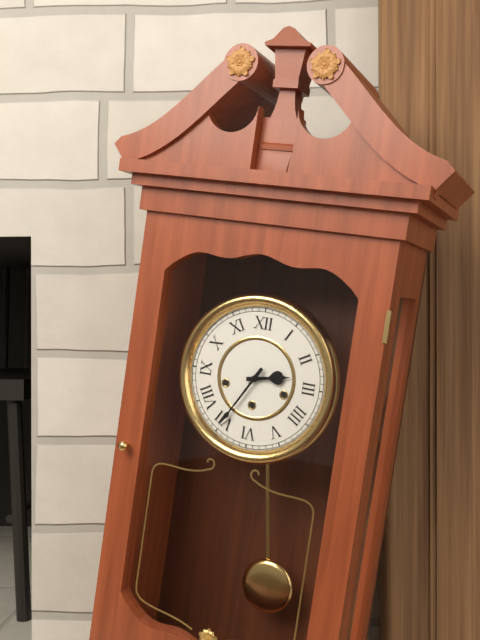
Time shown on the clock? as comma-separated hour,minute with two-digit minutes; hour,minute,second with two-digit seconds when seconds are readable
2,35
